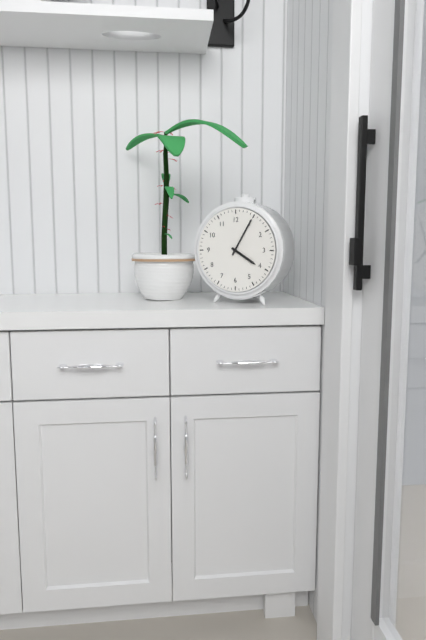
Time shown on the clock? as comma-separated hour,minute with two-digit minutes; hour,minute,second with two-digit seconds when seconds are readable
4,05
